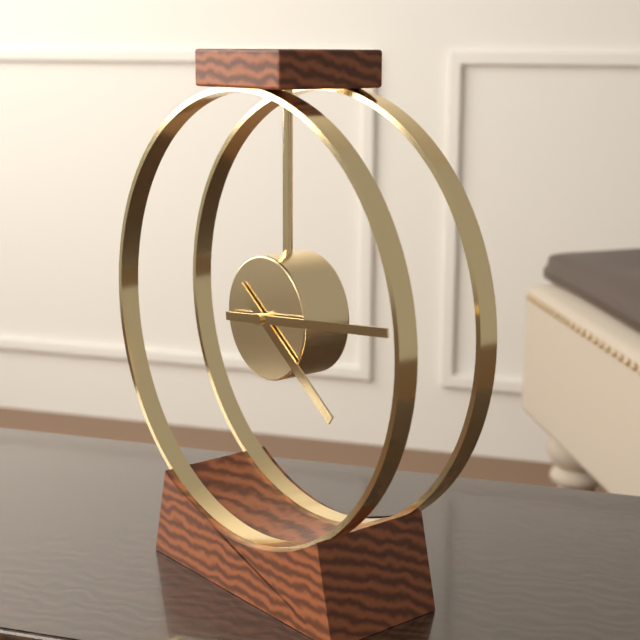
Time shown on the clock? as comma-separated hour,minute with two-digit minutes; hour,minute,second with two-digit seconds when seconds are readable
4,14
